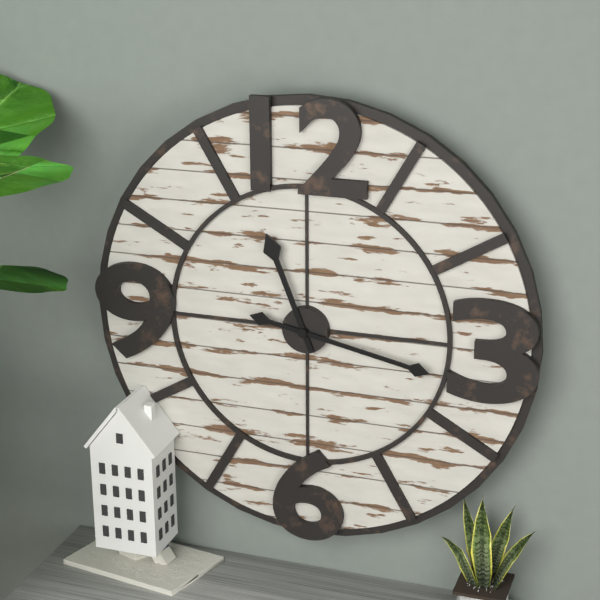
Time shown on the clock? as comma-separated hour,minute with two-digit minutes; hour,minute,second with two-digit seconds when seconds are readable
11,17
